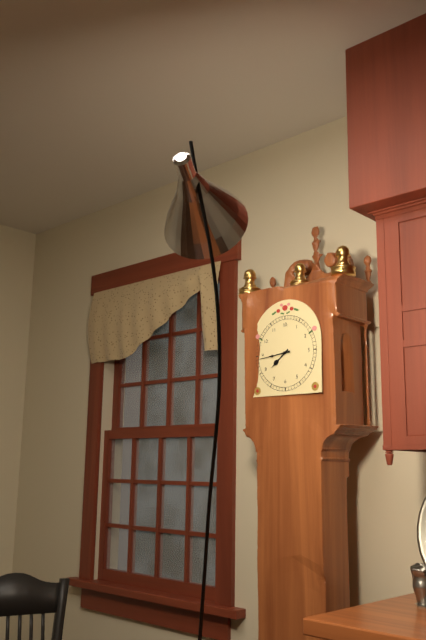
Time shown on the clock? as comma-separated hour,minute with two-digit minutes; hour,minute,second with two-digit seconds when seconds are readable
7,44
